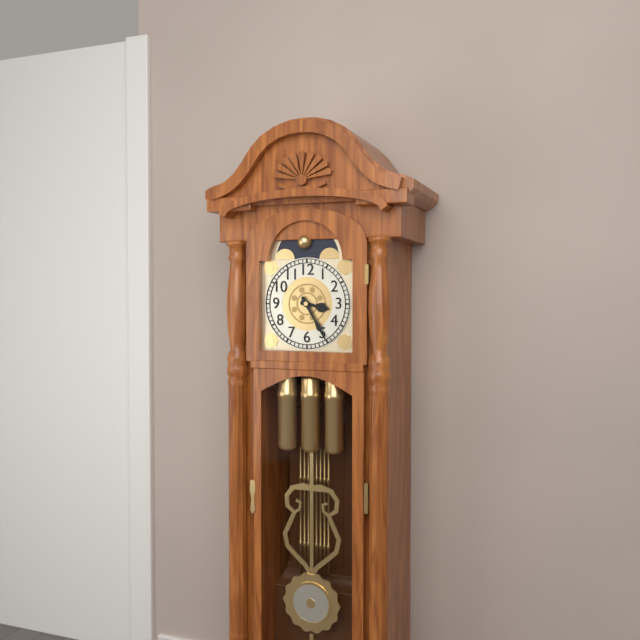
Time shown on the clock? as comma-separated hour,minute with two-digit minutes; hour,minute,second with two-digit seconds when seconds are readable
3,25
